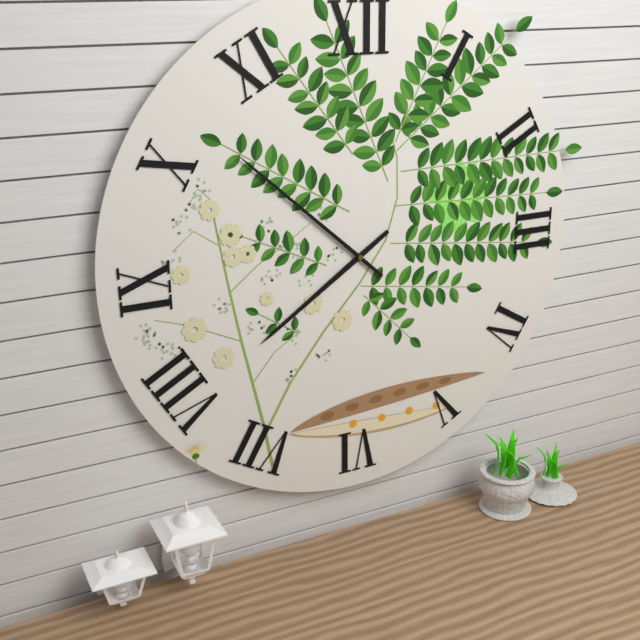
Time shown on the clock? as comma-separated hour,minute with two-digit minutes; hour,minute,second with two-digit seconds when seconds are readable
7,52
